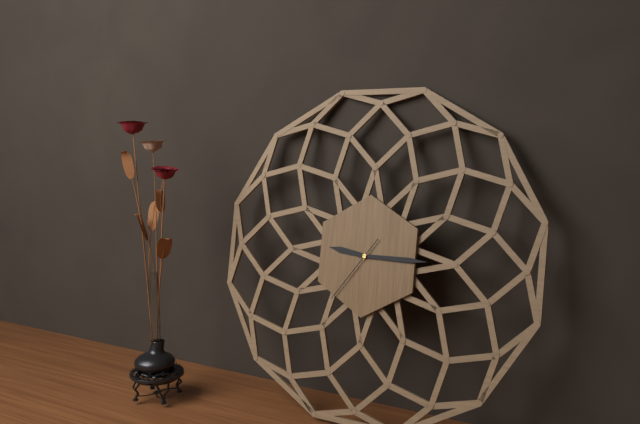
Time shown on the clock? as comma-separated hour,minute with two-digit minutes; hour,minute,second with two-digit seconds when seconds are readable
9,15,36
